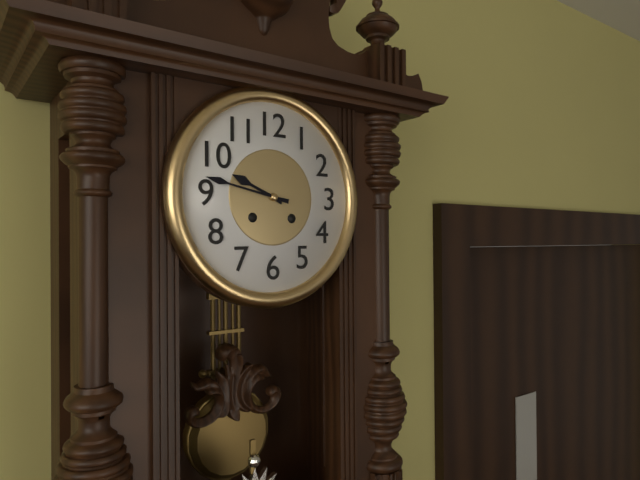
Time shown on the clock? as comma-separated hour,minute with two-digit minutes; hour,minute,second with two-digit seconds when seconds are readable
9,47
